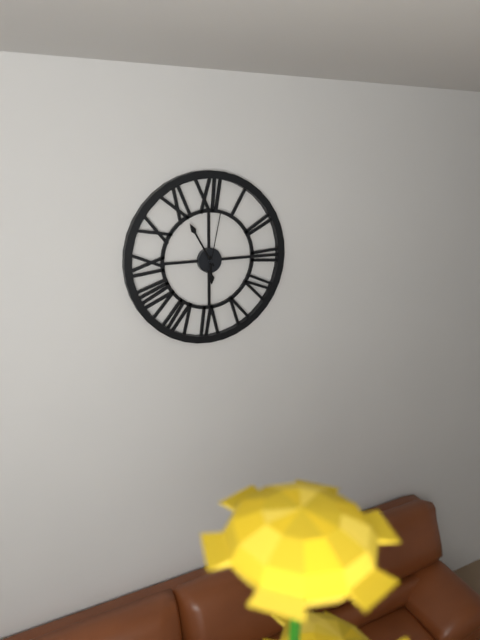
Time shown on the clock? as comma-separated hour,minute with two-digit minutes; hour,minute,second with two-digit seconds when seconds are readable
5,55,02
